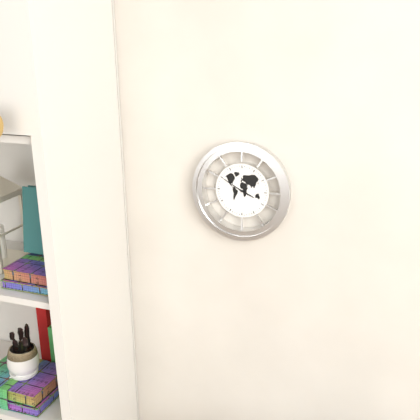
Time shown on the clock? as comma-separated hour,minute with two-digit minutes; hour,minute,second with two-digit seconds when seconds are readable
3,50
